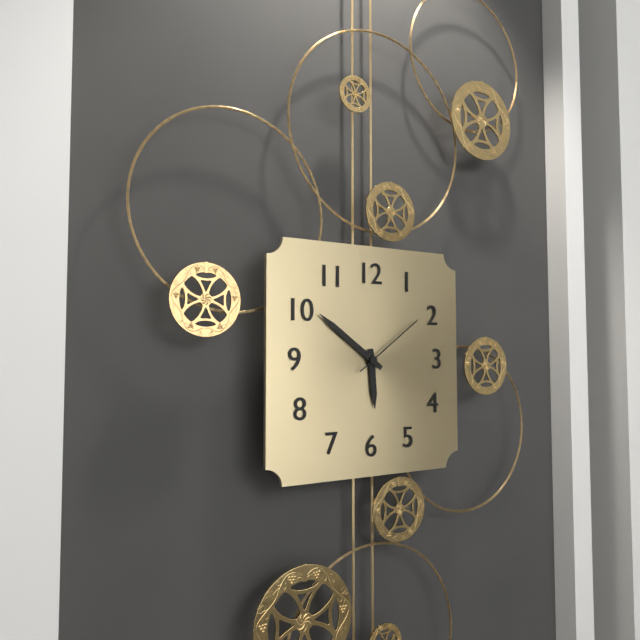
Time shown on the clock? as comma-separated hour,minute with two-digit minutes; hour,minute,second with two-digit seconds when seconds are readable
5,51,09
